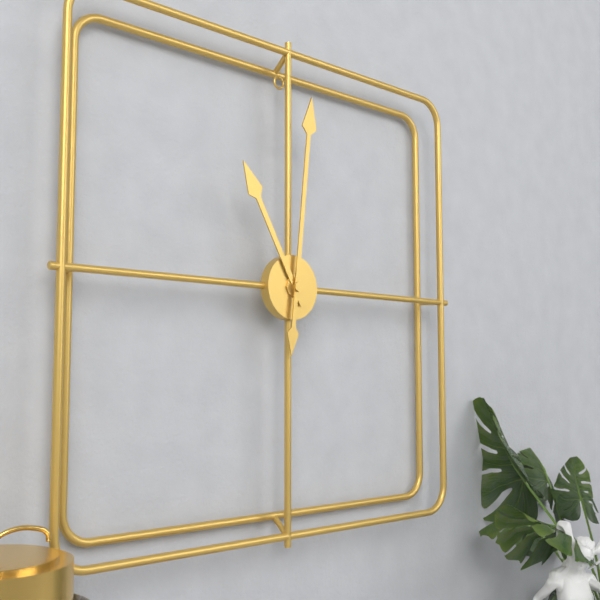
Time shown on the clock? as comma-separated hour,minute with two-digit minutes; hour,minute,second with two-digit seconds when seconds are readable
11,01
